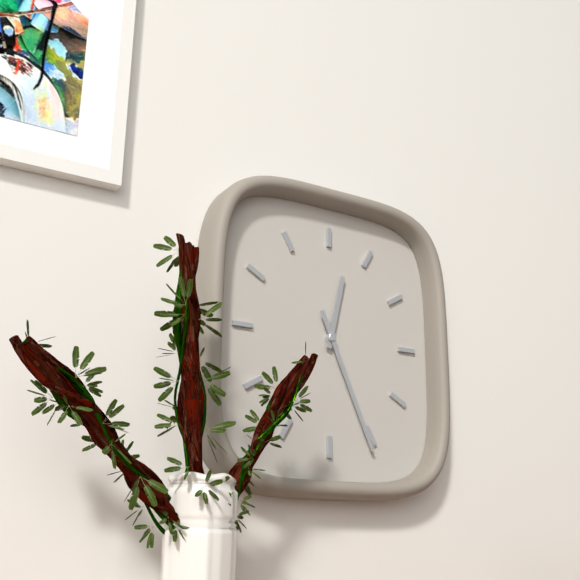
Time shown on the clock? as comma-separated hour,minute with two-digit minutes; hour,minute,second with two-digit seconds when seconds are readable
12,26
